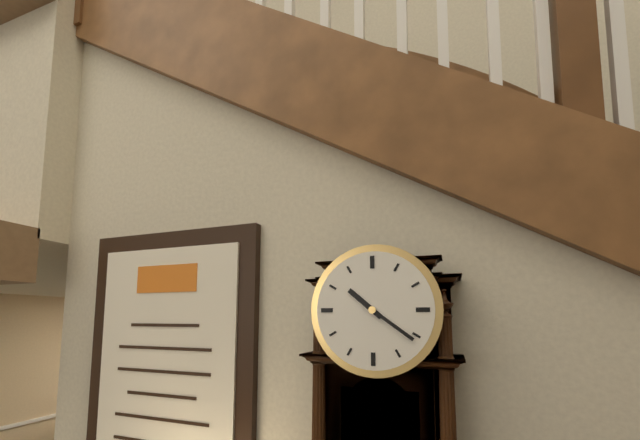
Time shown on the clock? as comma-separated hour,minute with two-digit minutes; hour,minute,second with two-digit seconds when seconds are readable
10,21
